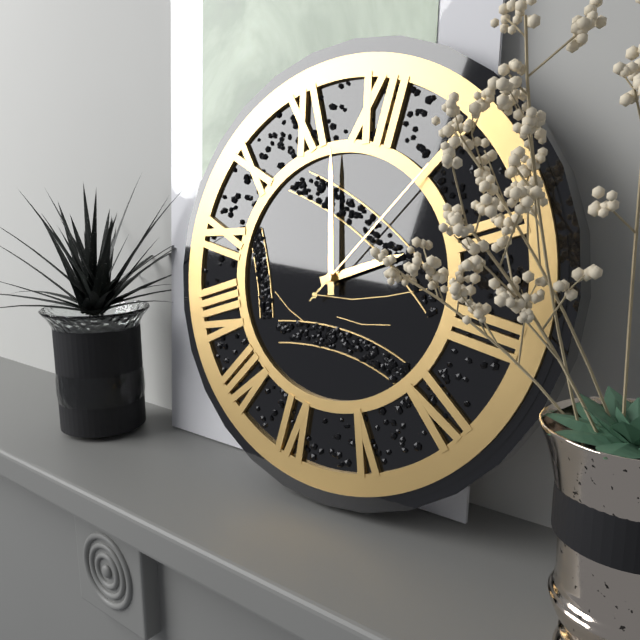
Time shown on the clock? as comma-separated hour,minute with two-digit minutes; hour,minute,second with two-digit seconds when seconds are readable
1,57,05
